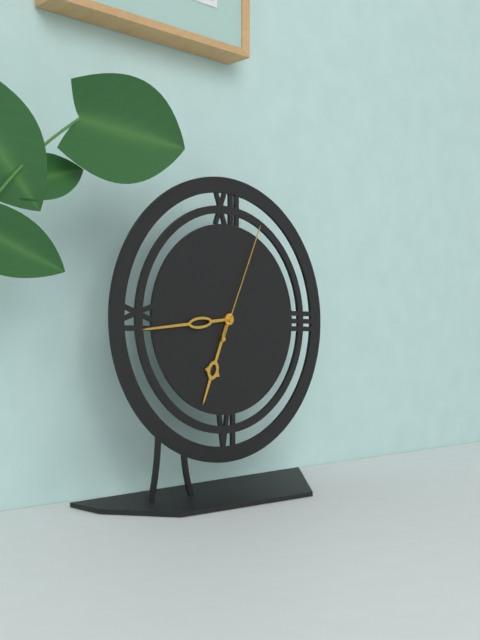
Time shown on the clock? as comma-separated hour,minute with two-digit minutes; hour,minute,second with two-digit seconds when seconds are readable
6,44,04
